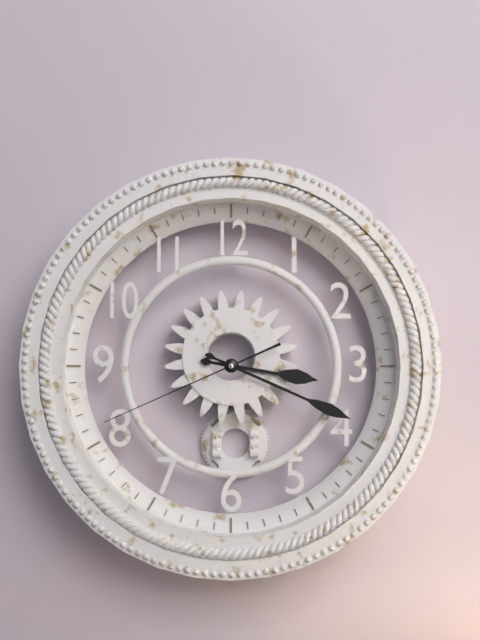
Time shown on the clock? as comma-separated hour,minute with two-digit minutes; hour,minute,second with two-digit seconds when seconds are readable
3,19,41
